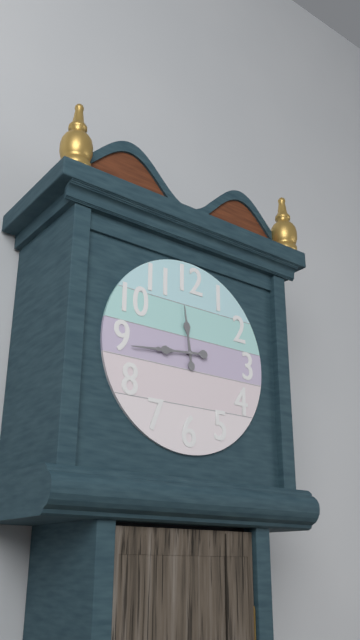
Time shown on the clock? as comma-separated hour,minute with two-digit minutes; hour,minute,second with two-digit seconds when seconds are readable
11,44
